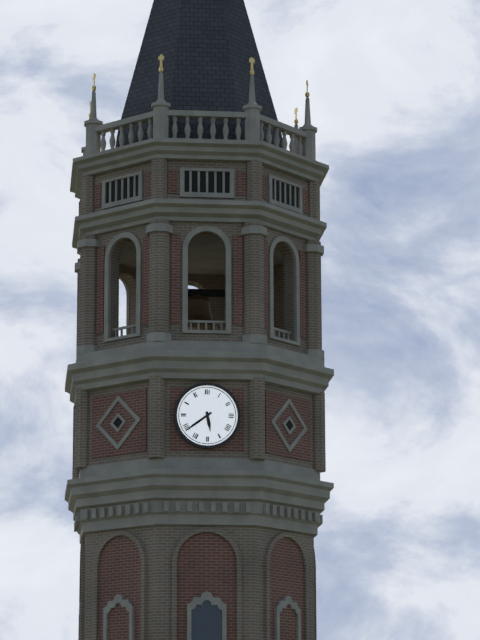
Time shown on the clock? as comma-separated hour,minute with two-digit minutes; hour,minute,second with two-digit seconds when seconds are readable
5,39
